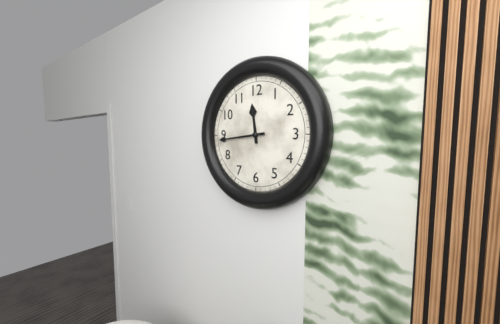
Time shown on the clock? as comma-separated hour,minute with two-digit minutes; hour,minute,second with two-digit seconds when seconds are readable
11,44
